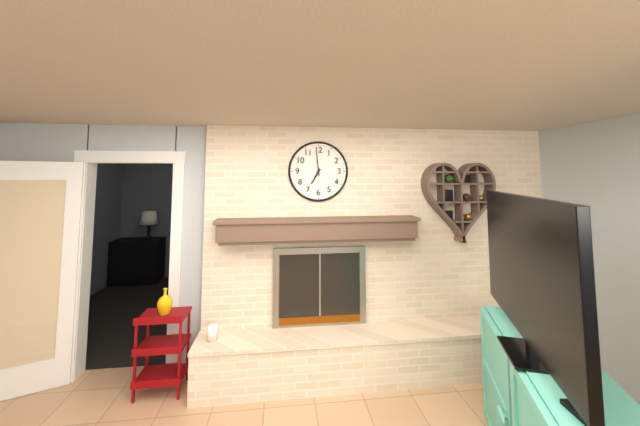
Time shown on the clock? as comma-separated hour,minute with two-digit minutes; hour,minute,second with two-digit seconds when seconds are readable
6,59
